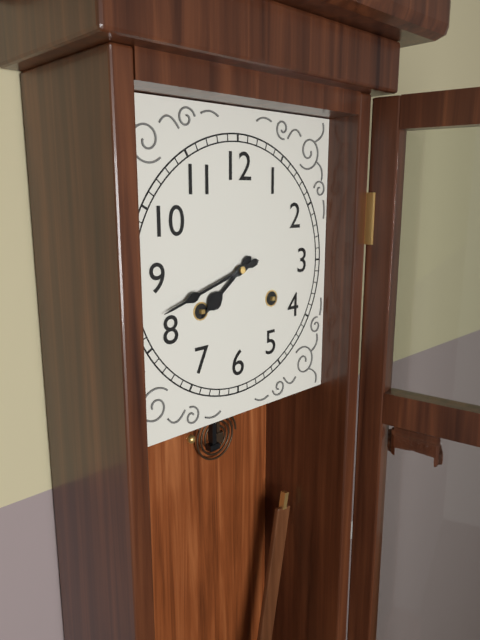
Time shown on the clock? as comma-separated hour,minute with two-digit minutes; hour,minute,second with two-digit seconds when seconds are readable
7,42
